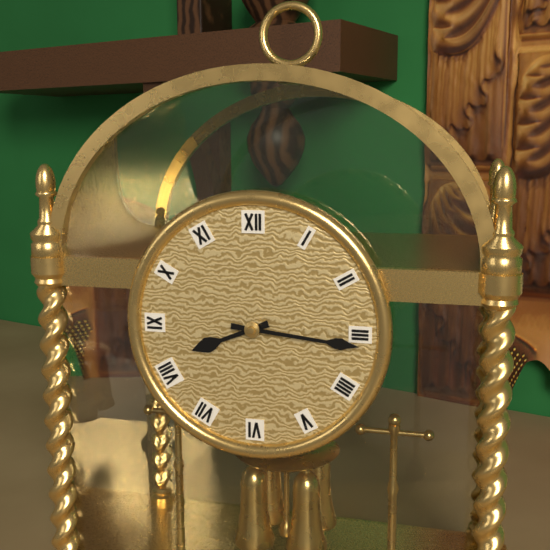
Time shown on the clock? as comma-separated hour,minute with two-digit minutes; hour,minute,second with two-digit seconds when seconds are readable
8,16
